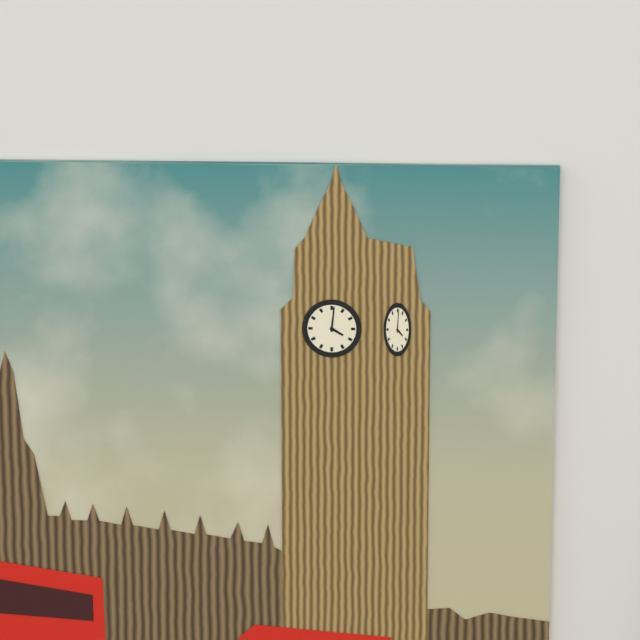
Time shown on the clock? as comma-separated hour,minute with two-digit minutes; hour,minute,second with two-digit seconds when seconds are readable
4,01
